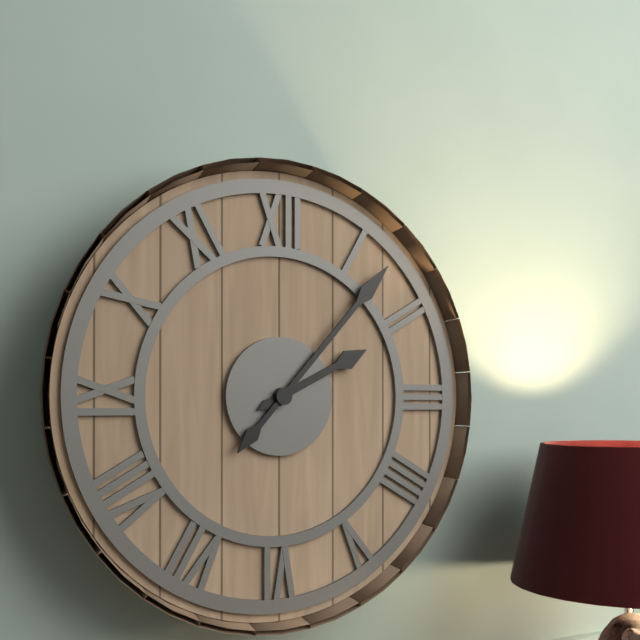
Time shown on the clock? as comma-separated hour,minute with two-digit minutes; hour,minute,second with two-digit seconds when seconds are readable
2,07
